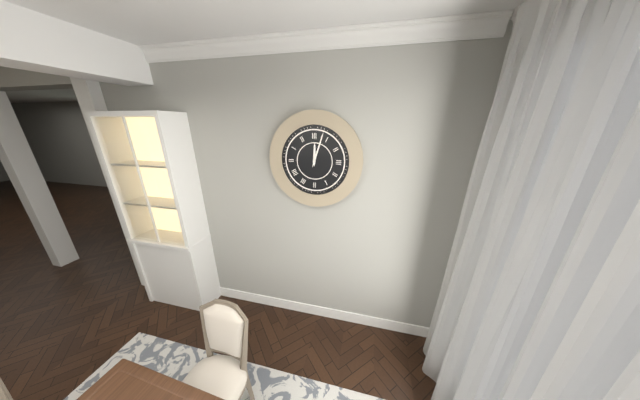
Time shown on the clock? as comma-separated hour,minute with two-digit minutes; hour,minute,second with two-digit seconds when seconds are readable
12,03
